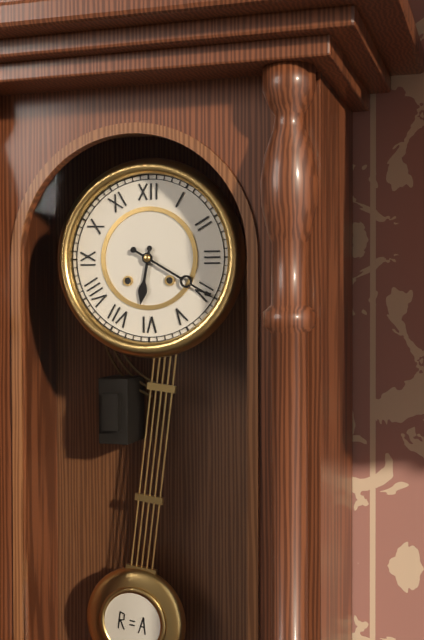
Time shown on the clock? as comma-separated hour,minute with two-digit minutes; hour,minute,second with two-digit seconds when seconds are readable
6,20
